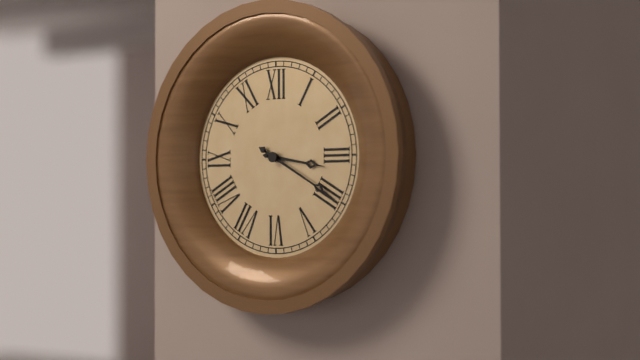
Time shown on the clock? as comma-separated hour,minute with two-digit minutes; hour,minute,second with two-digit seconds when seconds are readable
3,20
